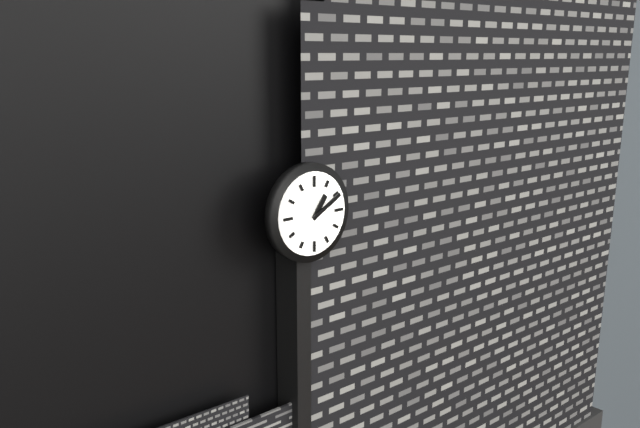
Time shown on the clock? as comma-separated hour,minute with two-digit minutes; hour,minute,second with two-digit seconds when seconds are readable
1,10
